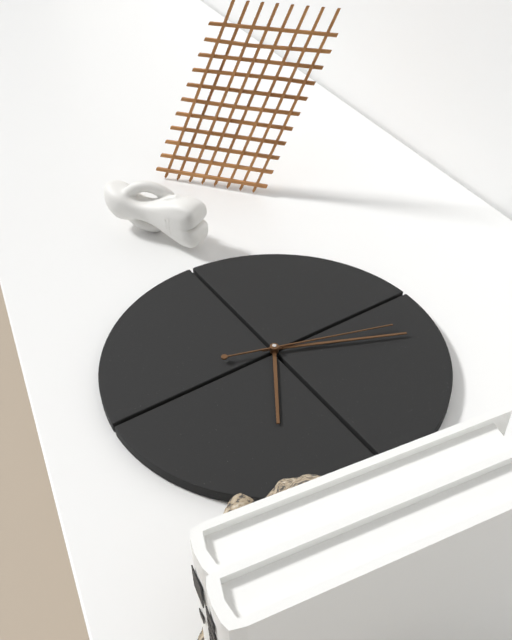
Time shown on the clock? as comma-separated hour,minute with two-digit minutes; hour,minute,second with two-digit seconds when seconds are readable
4,04,03
